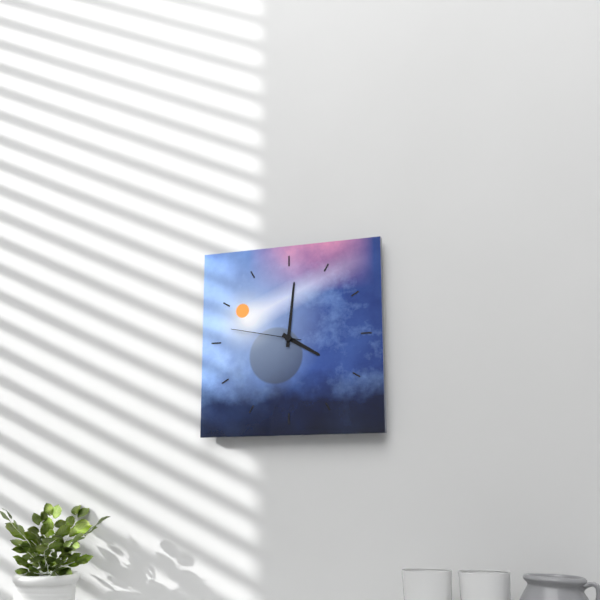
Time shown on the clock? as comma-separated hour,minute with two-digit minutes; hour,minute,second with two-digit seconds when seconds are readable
4,01,47
